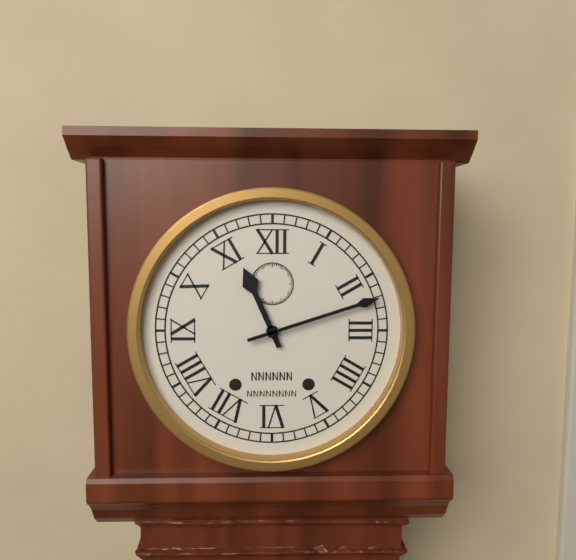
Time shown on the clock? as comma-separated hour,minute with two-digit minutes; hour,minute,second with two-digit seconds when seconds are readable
11,12
